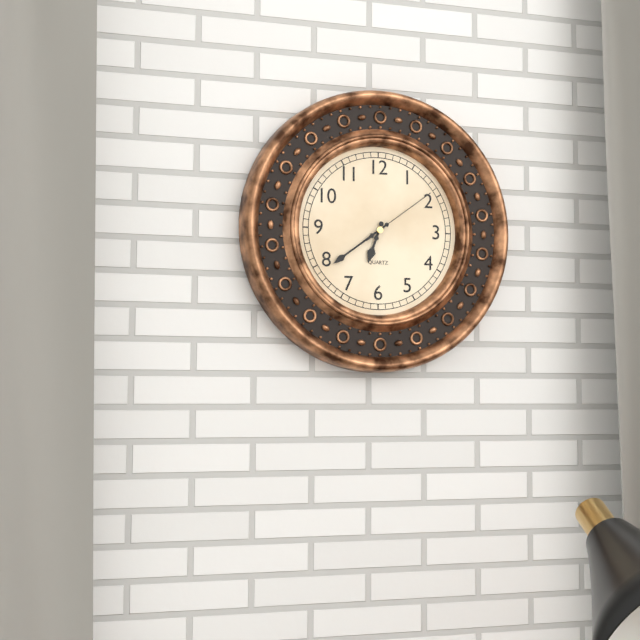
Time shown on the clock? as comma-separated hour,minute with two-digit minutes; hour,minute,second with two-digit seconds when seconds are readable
6,39,09
